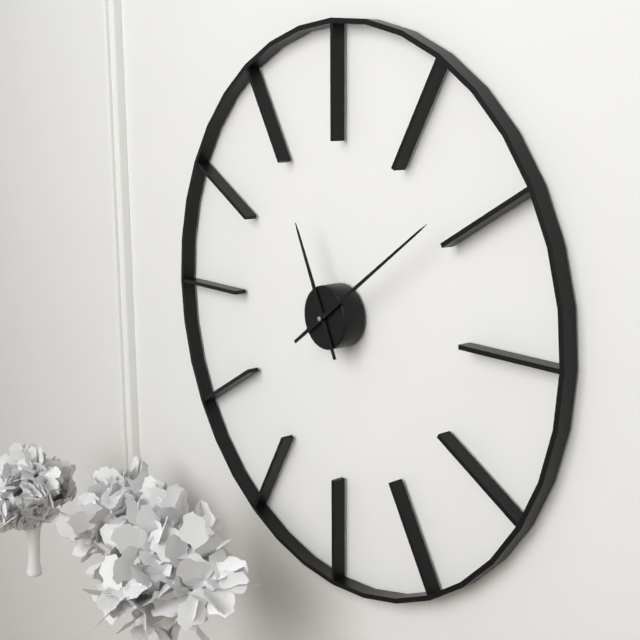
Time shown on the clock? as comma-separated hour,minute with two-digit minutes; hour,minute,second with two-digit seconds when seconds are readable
11,09
